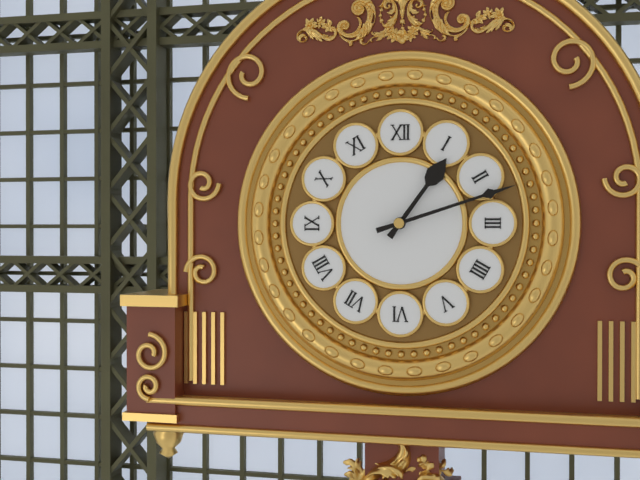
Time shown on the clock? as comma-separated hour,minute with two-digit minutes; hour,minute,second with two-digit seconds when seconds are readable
1,12
